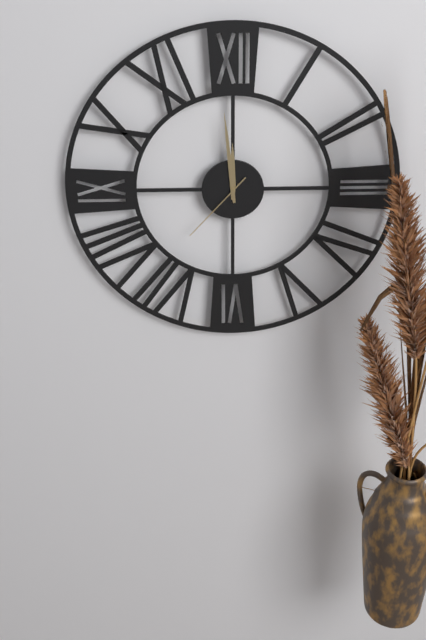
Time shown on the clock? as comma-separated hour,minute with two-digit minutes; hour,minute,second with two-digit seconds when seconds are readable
11,59,37
